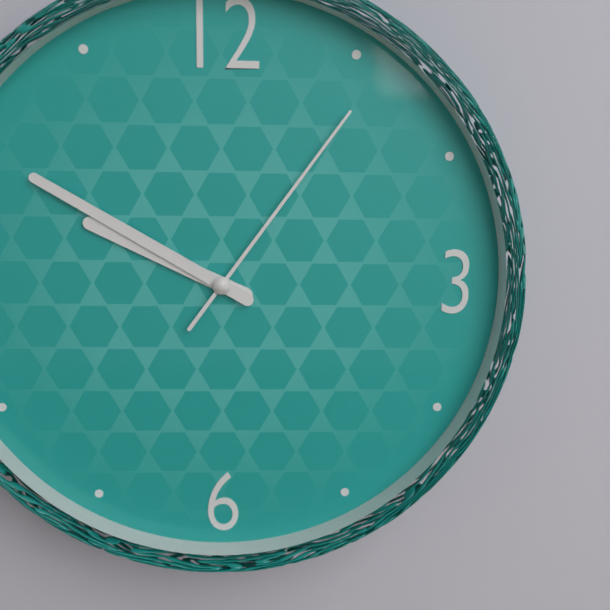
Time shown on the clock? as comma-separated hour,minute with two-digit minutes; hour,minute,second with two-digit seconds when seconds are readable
9,50,06
